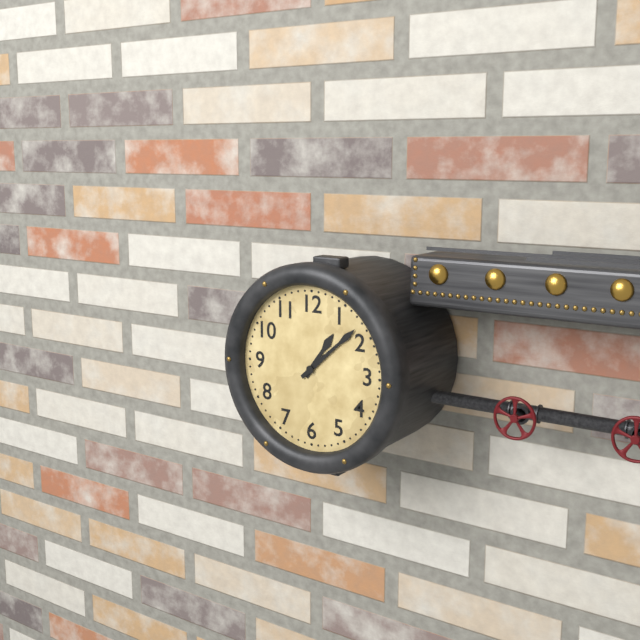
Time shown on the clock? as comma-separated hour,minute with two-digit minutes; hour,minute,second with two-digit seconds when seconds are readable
1,08
